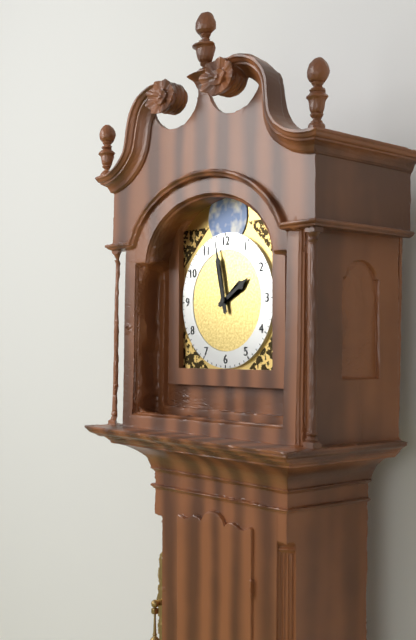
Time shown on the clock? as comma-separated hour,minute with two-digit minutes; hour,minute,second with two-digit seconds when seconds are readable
1,58
